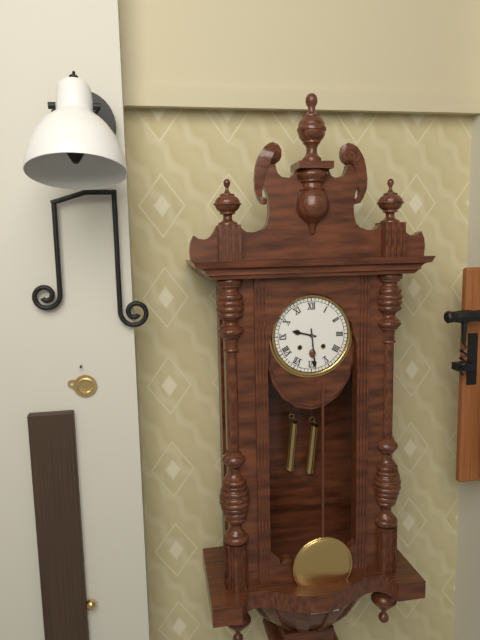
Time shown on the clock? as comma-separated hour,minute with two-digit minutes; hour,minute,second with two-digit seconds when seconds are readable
9,29
